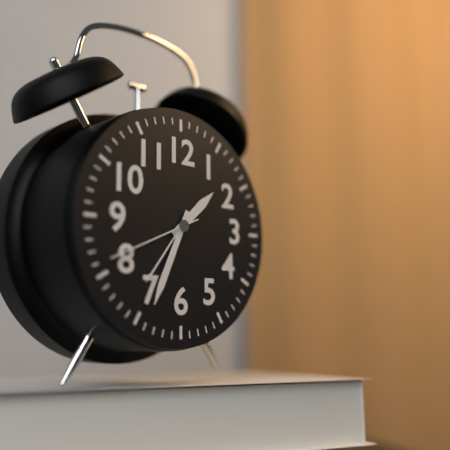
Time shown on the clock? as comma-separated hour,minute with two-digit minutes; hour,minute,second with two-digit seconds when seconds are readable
1,34,41
